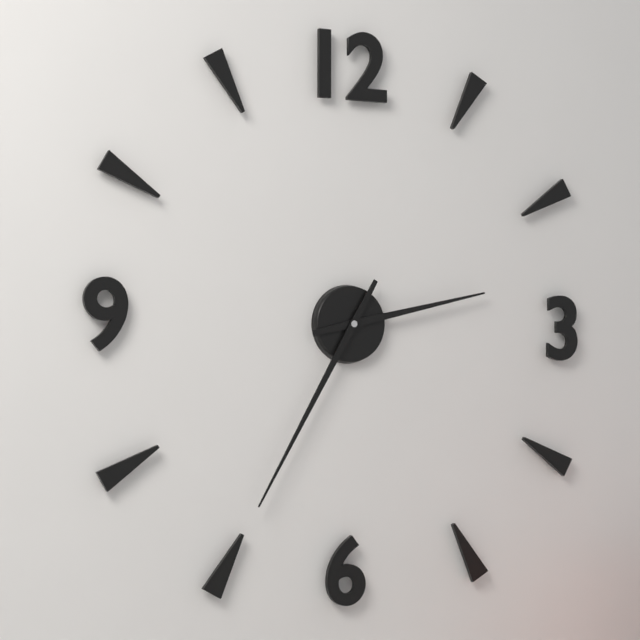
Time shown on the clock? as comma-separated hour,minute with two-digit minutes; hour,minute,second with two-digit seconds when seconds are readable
2,35
